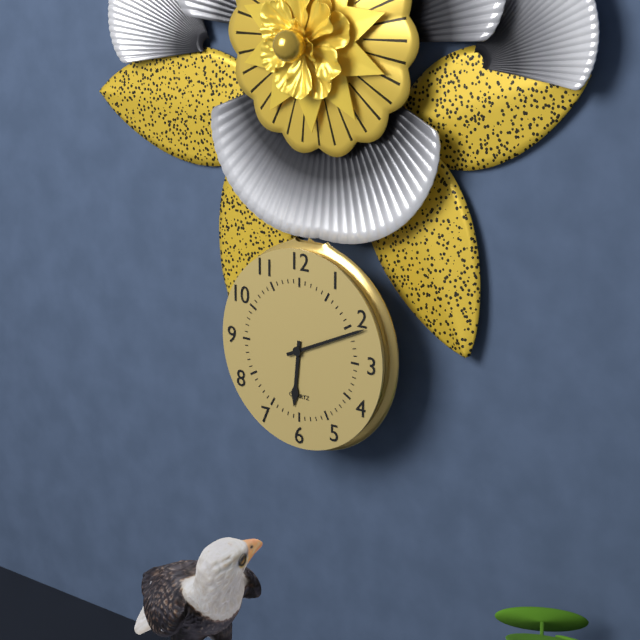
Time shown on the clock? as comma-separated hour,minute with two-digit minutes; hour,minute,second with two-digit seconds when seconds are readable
6,11
